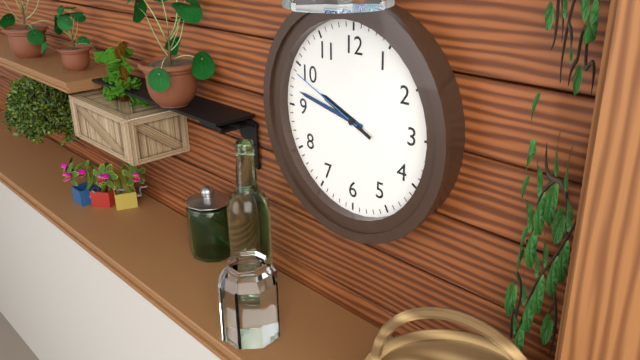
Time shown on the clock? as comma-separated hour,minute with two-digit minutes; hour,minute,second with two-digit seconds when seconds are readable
9,47,49
